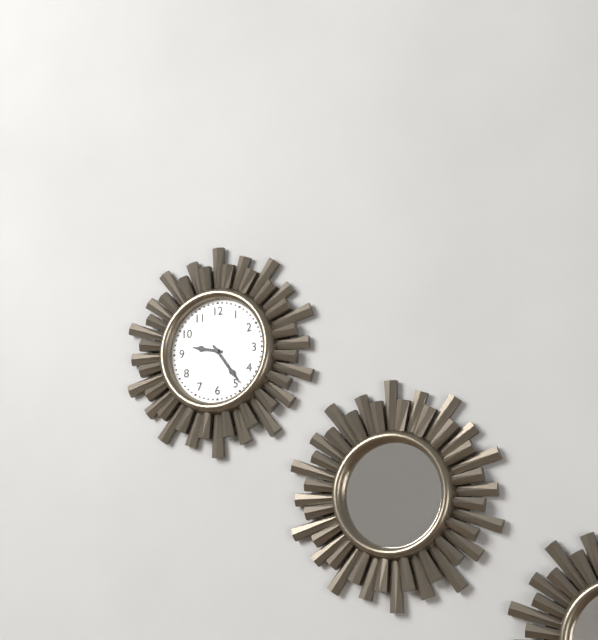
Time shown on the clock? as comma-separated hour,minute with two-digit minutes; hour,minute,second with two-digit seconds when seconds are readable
9,24
